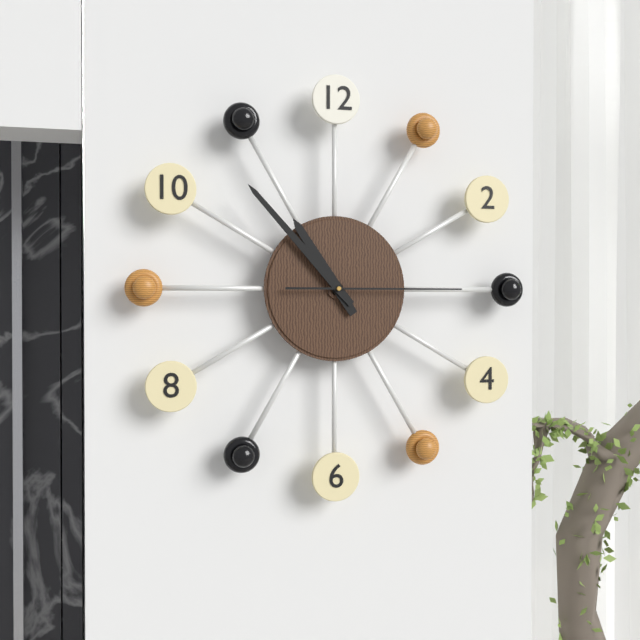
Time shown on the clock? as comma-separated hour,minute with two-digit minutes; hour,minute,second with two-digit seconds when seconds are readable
10,53,15
